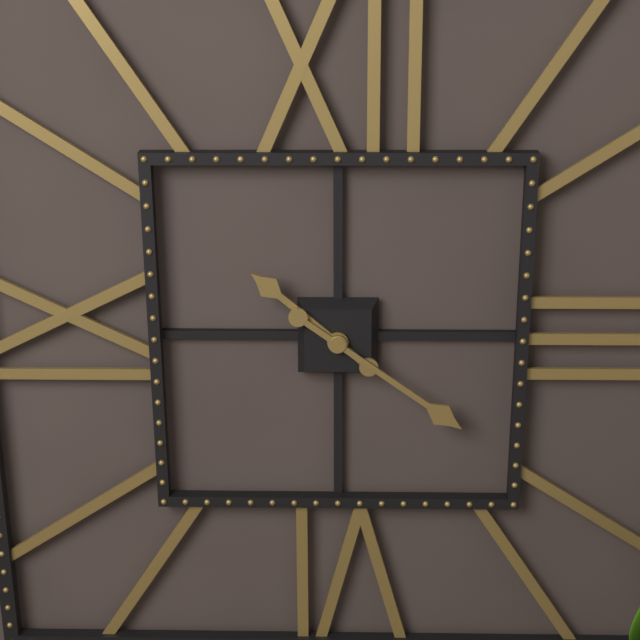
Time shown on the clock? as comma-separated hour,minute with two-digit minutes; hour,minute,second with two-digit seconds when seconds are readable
10,21
